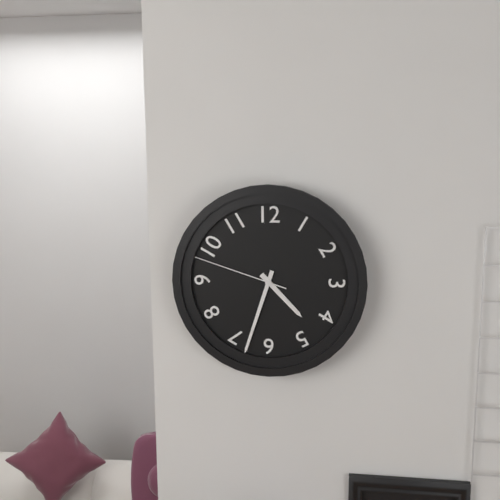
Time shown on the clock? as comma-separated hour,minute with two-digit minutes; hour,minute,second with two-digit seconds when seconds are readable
4,33,48
